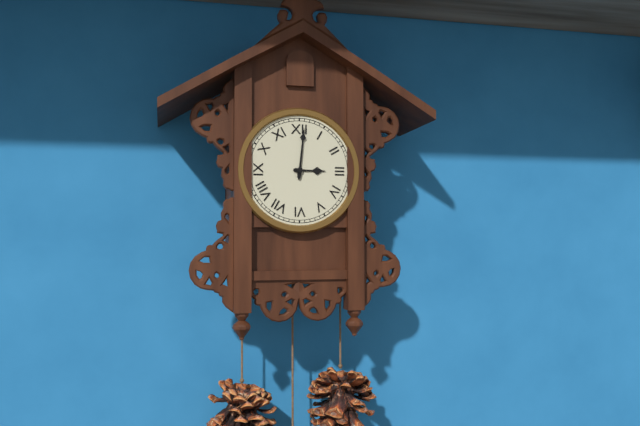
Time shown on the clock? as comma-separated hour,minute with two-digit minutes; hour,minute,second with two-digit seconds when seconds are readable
3,01
